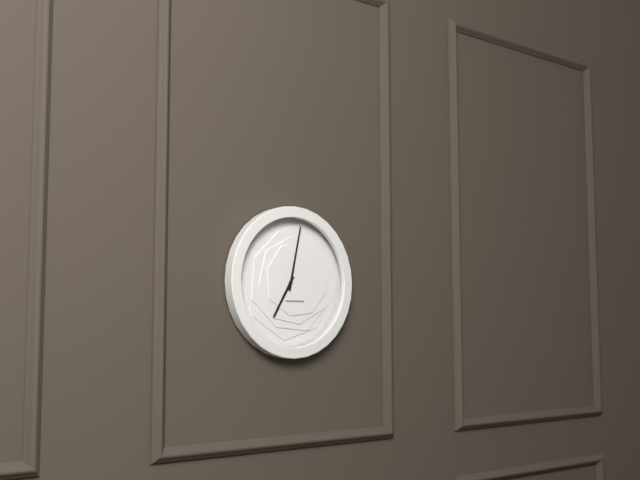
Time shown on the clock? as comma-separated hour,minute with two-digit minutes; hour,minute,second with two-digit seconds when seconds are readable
7,02
